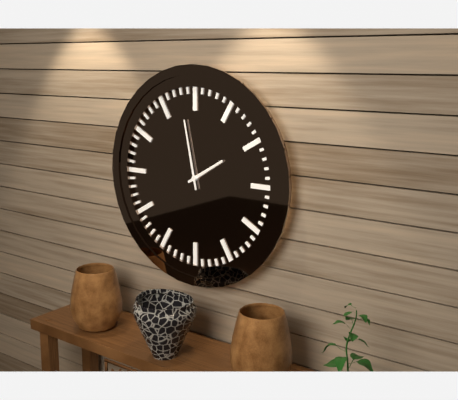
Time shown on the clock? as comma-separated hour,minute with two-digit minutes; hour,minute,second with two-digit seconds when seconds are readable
1,58
